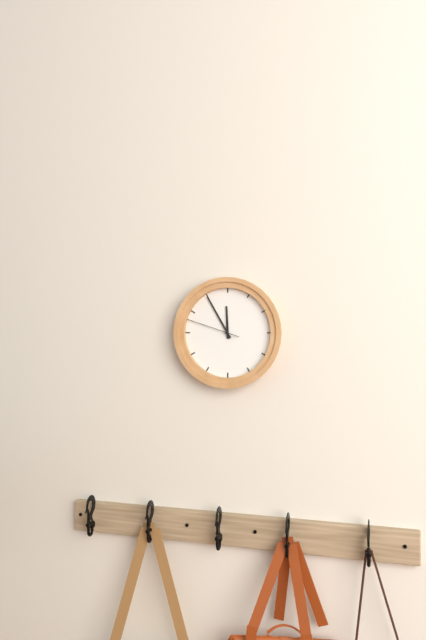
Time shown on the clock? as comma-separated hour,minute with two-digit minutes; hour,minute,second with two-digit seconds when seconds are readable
11,55,48
